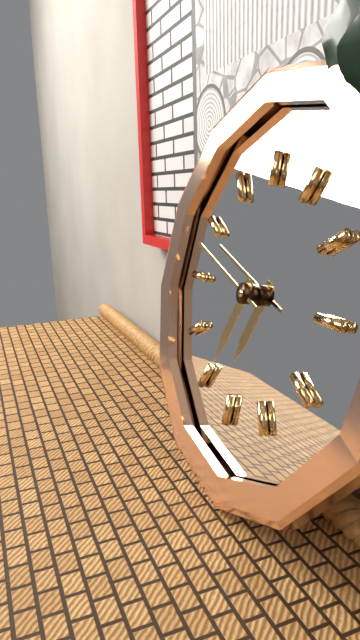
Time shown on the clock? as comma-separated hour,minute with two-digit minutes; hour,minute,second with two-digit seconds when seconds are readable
6,48
